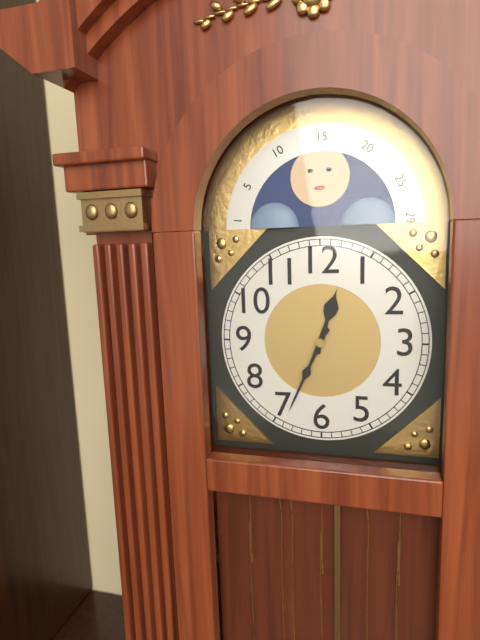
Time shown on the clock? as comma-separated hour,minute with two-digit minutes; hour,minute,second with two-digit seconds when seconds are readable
12,34
